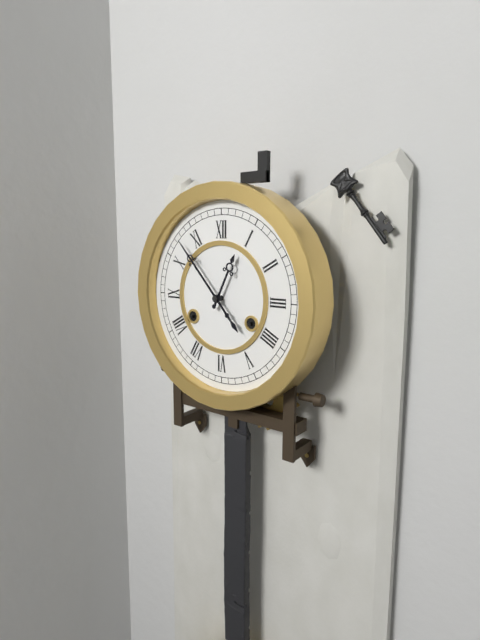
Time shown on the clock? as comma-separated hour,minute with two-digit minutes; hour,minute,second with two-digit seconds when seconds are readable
12,53
